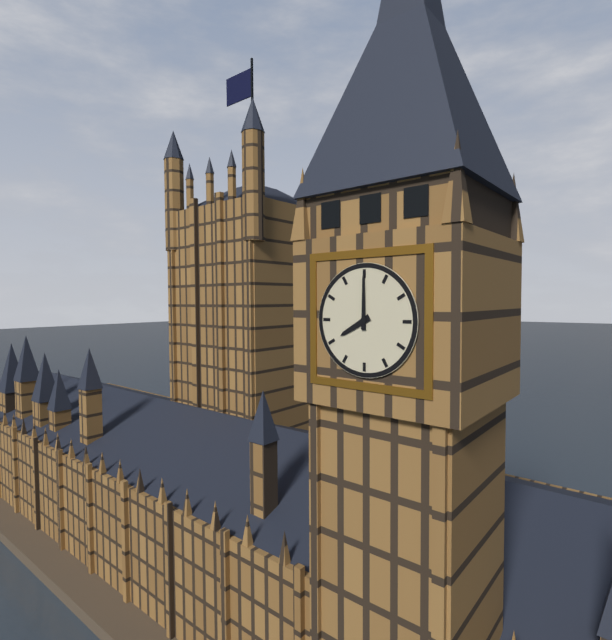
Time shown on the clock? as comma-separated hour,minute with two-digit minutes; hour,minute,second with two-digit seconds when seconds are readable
8,00
